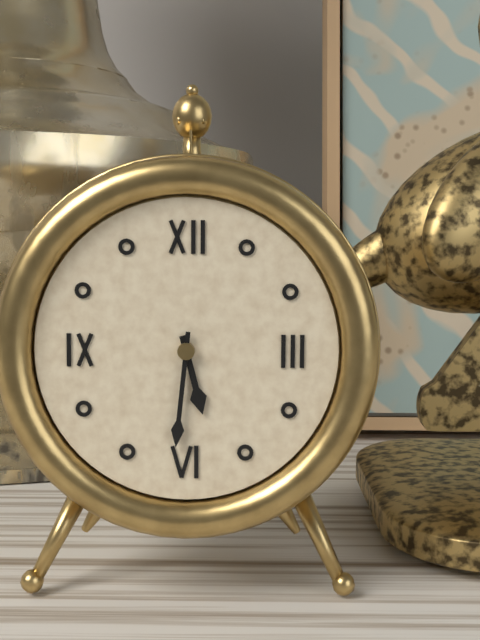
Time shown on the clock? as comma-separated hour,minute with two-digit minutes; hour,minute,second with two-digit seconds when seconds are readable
5,31
